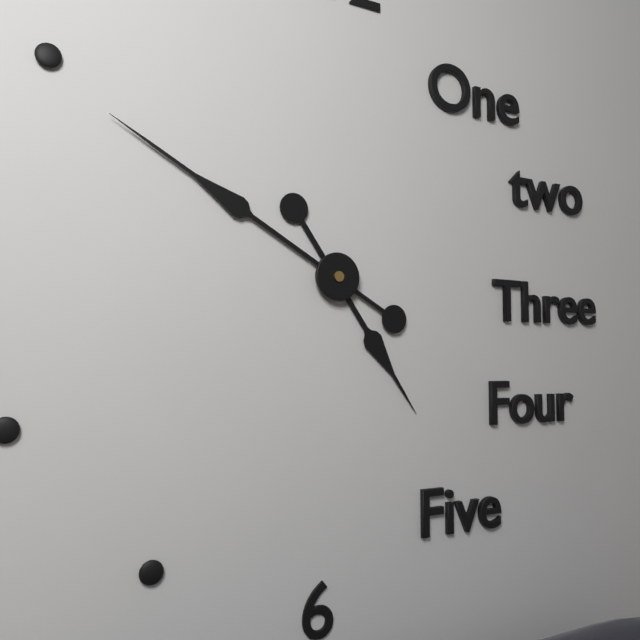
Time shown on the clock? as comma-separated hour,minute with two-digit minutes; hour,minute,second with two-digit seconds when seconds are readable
4,50
